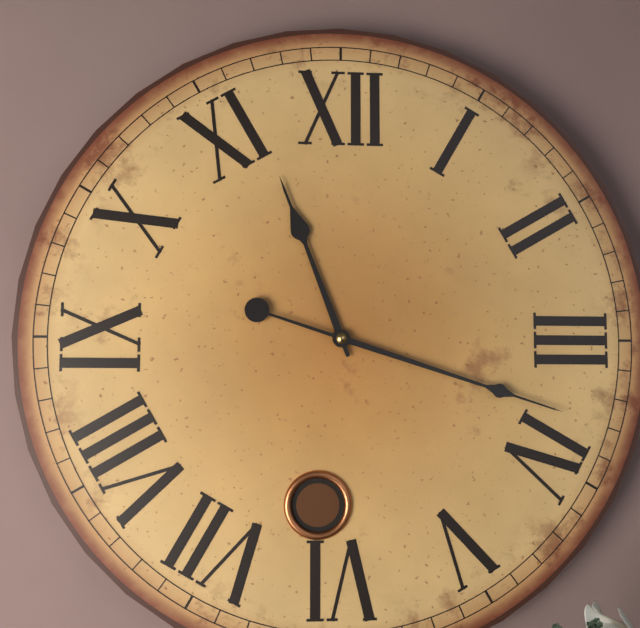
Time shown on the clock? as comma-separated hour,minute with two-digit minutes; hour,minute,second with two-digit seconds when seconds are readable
11,18
